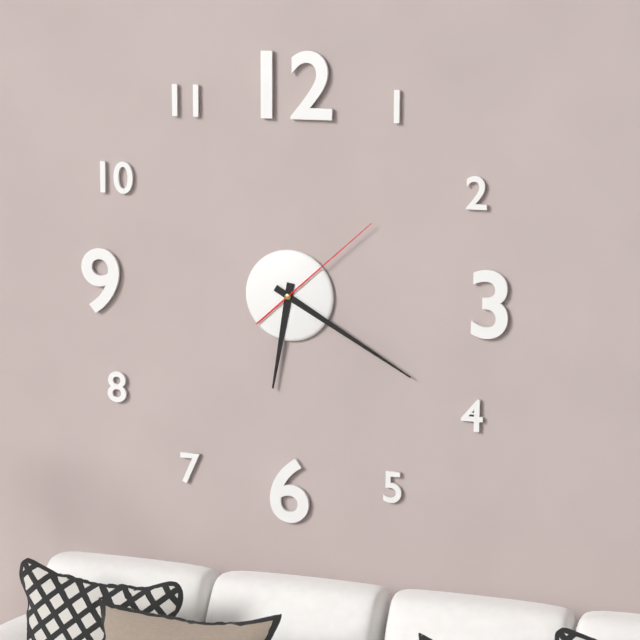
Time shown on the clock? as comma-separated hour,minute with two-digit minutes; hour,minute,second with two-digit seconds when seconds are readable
6,20,08
